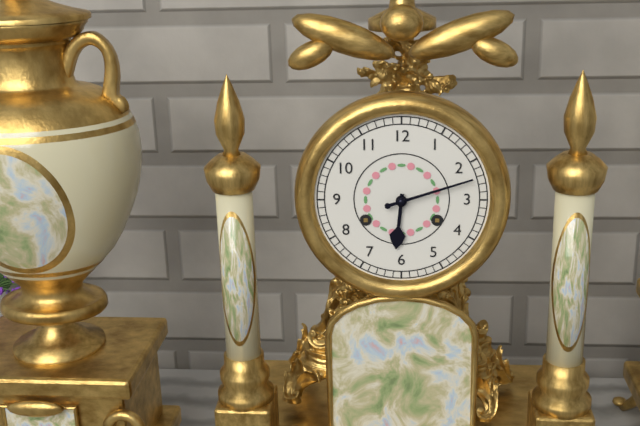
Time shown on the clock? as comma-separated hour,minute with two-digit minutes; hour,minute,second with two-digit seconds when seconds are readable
6,12
